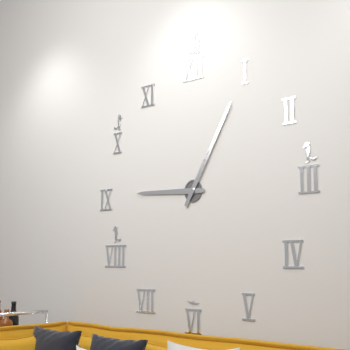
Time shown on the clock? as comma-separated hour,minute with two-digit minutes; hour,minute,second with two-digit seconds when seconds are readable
9,05
